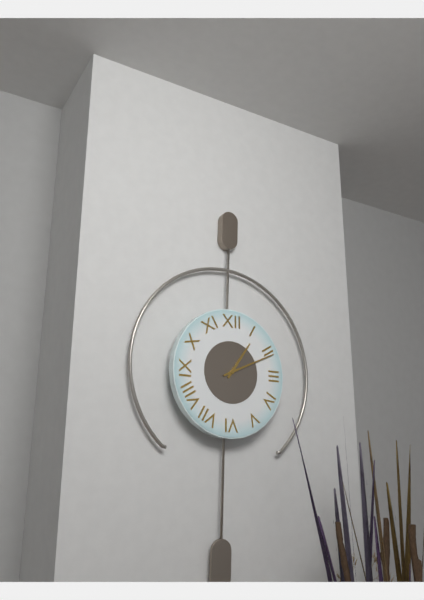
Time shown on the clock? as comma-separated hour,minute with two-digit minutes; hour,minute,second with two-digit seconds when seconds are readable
1,11
